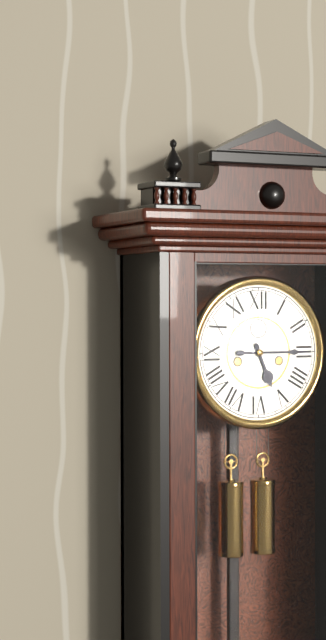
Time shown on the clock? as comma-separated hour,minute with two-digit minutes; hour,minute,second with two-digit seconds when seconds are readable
5,15
